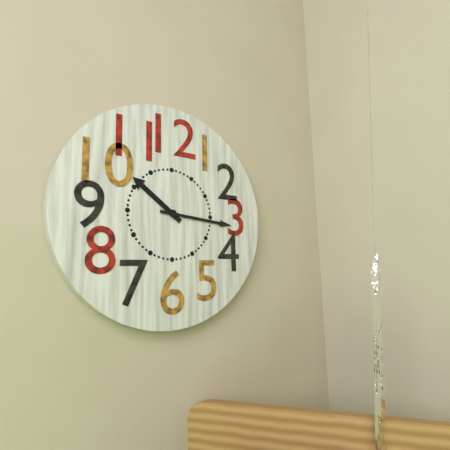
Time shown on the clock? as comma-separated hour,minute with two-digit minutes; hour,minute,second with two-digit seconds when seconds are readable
10,16
